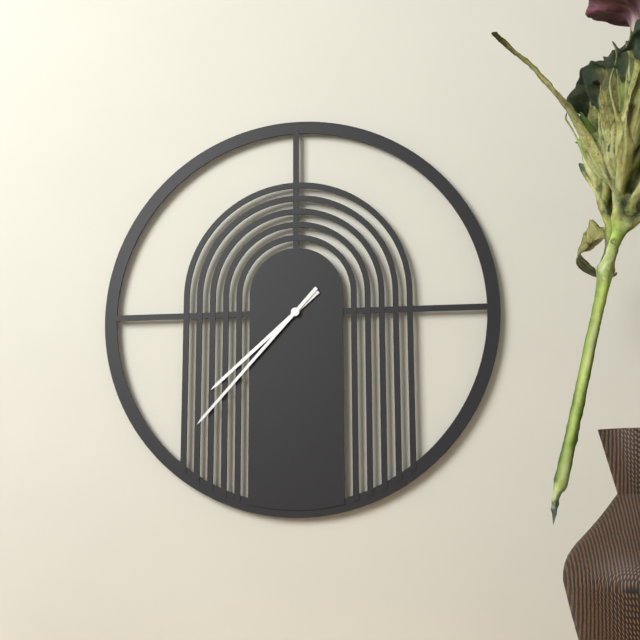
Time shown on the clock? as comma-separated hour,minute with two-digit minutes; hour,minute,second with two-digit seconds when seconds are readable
7,37
